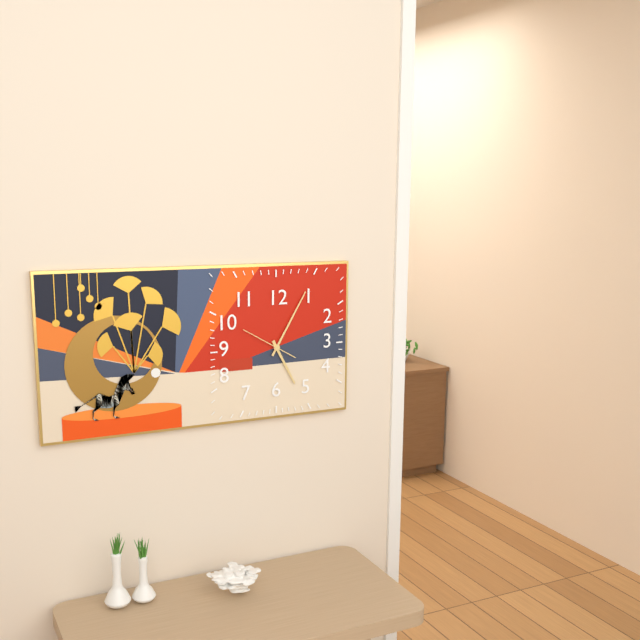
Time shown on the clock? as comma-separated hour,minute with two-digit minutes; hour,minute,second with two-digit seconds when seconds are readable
5,05
